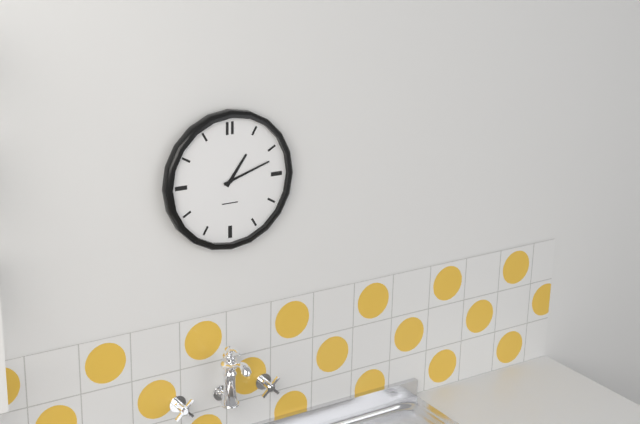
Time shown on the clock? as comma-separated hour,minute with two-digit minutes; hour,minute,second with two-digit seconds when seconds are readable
1,12
